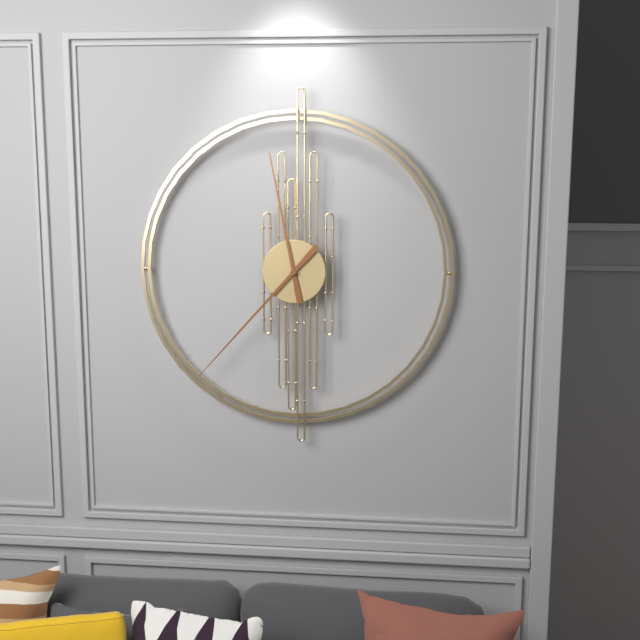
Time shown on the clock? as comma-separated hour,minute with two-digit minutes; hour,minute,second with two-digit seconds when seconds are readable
11,37
